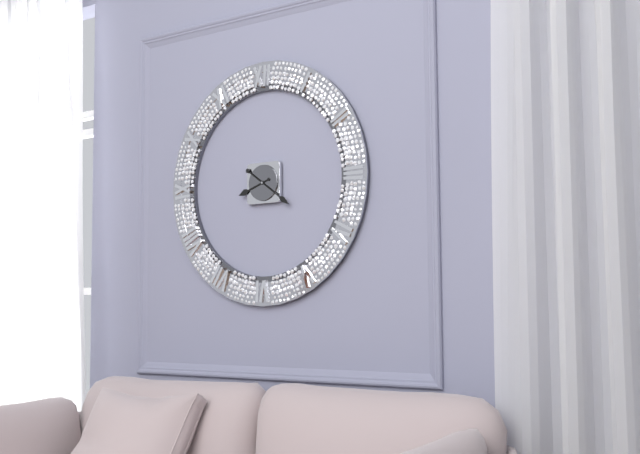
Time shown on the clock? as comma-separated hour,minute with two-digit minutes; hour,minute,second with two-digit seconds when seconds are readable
8,21
